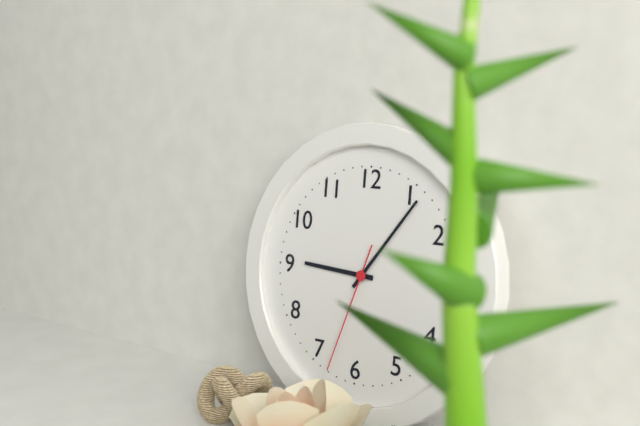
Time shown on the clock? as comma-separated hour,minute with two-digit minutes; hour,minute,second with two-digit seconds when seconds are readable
9,06,33
